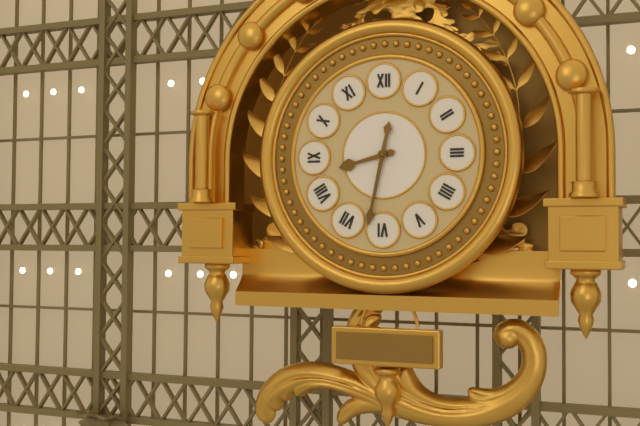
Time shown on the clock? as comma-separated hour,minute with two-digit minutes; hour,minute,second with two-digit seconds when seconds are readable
8,32
